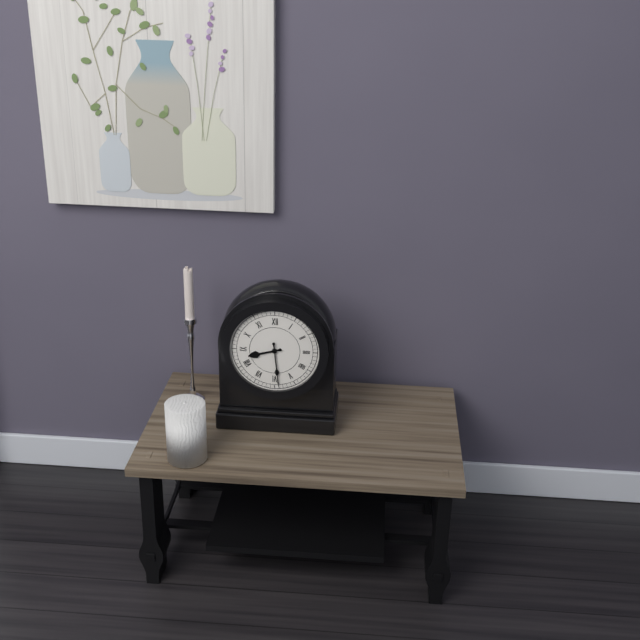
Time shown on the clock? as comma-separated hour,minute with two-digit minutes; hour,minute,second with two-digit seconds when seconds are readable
8,29
